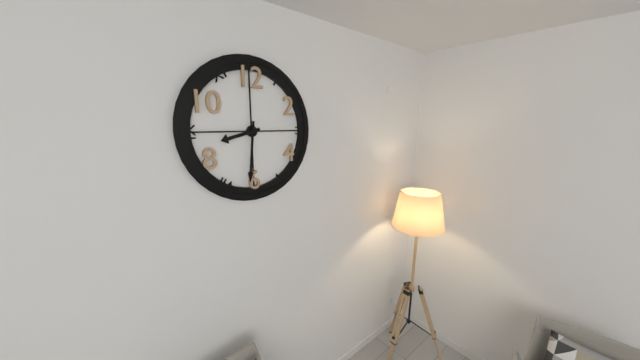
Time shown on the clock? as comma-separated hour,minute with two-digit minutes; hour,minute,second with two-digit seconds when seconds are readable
8,31
